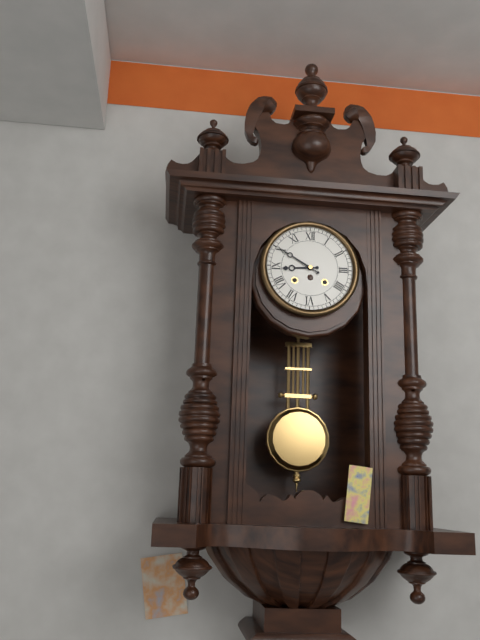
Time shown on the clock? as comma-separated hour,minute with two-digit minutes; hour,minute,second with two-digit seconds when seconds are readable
8,50
